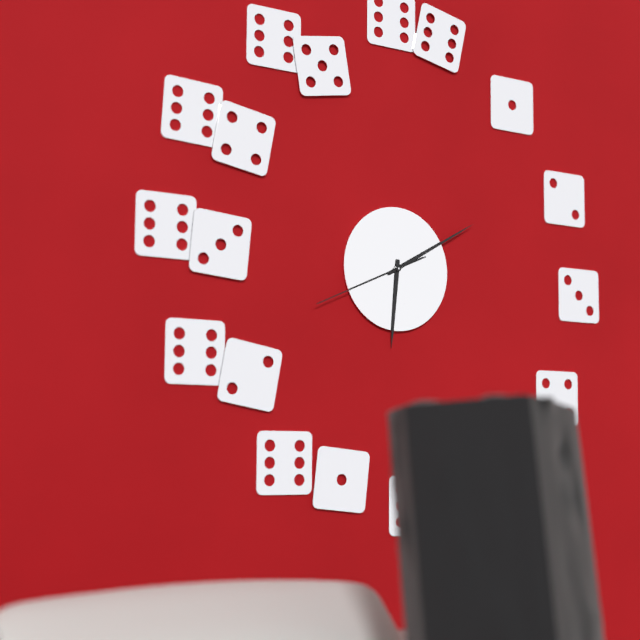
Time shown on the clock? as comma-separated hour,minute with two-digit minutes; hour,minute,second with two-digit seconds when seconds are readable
6,10,41
